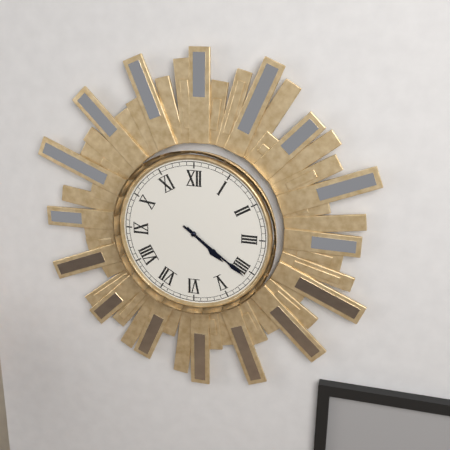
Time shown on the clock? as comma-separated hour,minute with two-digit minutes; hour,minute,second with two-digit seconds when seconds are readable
4,21
